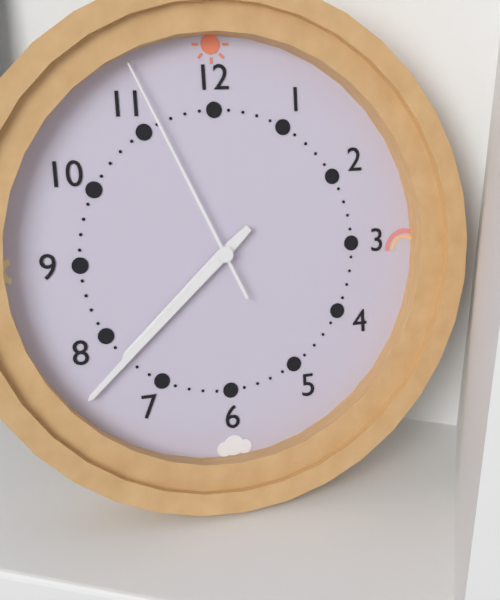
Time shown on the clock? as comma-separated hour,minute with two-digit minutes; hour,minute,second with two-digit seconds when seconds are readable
7,38,56
